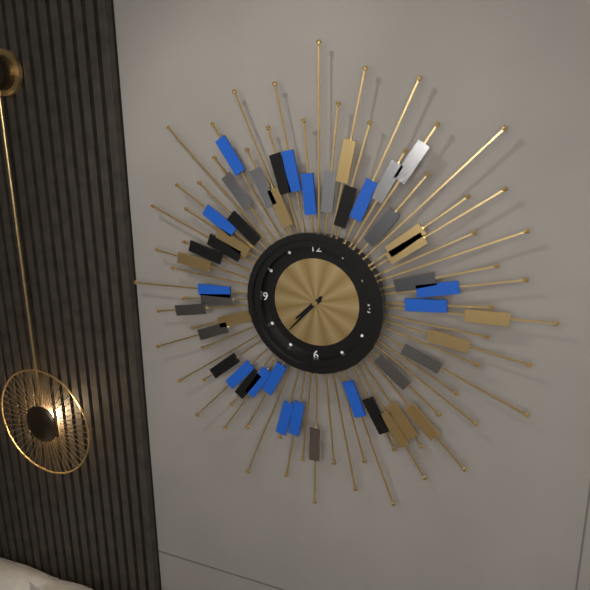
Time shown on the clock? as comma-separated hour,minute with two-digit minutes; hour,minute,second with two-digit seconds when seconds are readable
7,37
